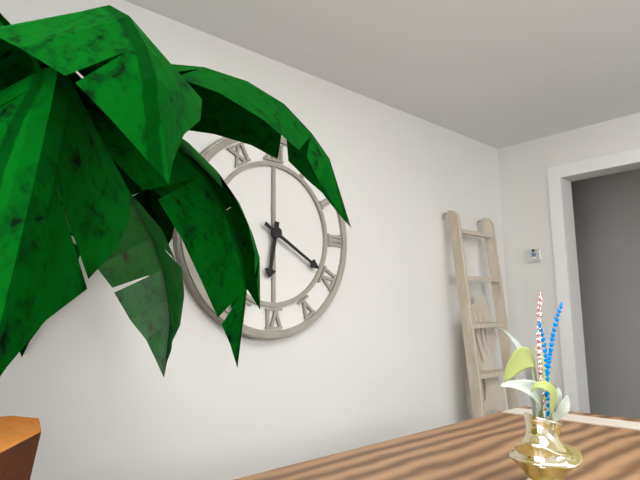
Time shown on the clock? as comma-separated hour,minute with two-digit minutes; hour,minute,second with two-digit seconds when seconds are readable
6,20
